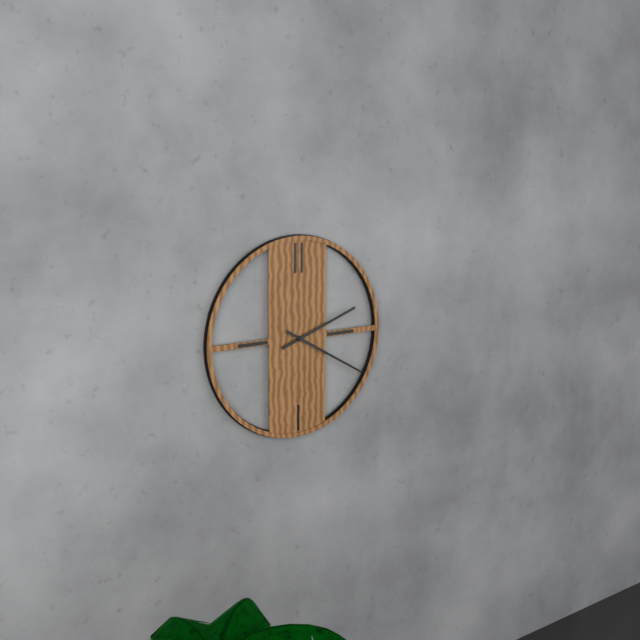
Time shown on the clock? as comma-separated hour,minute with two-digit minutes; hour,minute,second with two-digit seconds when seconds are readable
2,20
